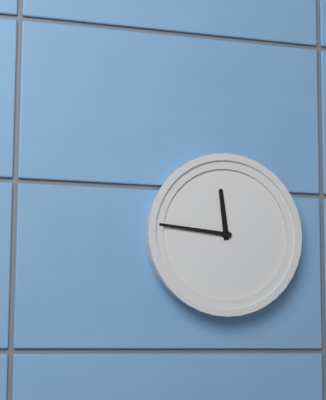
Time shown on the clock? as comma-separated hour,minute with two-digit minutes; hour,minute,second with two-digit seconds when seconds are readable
11,46
